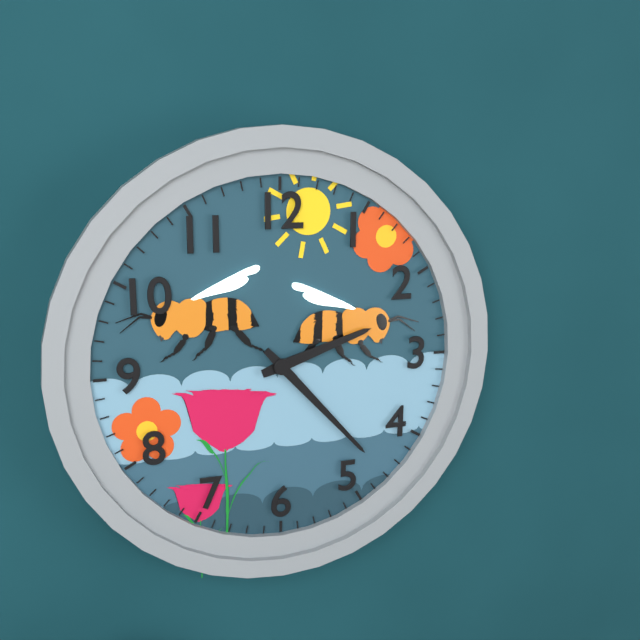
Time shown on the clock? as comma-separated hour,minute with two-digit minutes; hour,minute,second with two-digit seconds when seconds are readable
2,23
